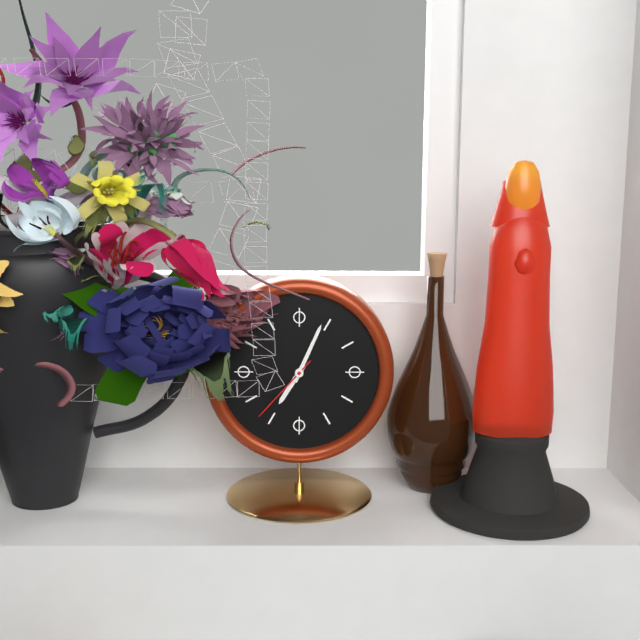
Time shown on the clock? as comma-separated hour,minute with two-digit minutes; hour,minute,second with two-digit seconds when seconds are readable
7,04,37
